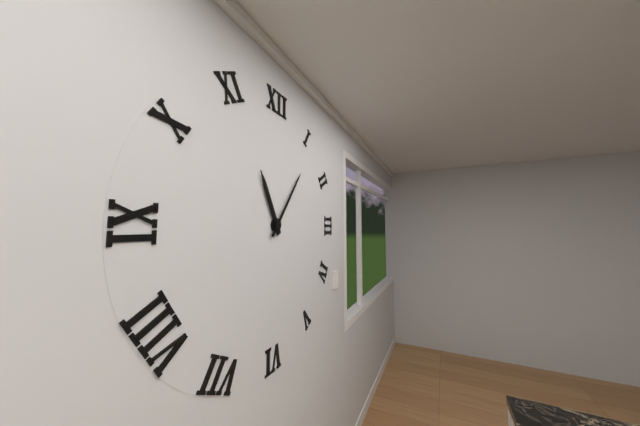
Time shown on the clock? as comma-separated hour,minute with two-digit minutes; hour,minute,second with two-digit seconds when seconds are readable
11,06
